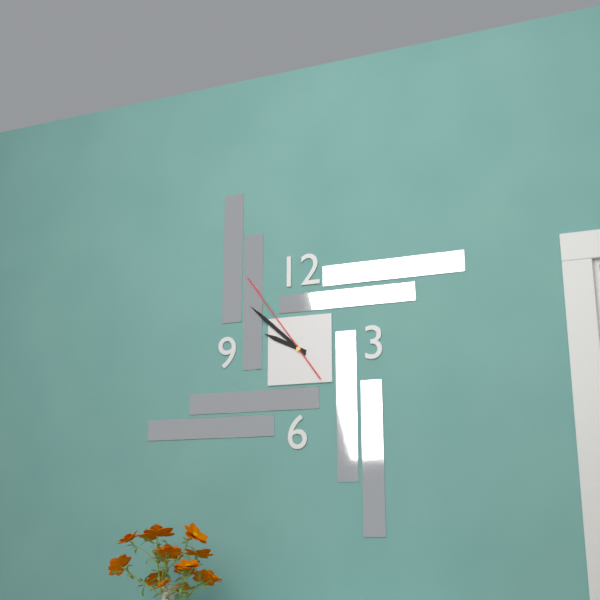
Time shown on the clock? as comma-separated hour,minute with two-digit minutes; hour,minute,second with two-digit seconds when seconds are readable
9,52,54
